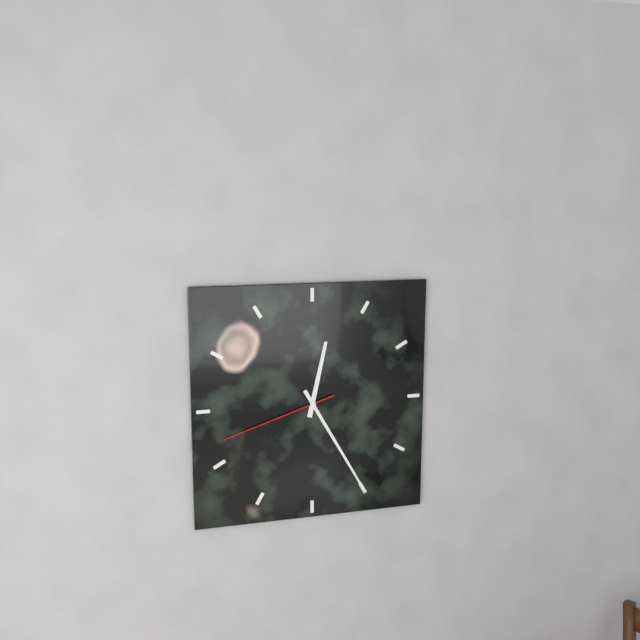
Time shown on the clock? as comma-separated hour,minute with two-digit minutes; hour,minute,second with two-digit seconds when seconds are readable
12,25,42
